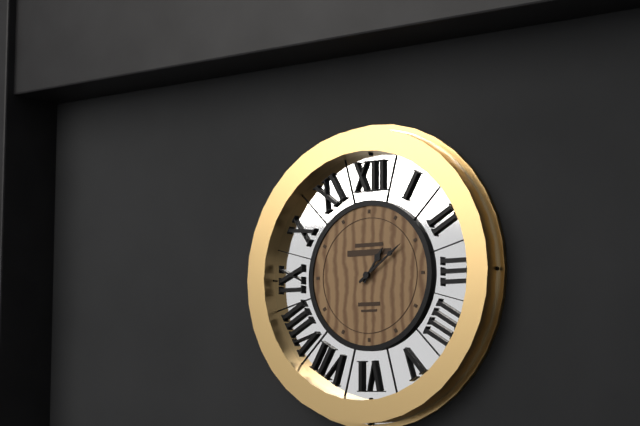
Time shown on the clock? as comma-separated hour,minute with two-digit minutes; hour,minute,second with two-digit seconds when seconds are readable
1,09
